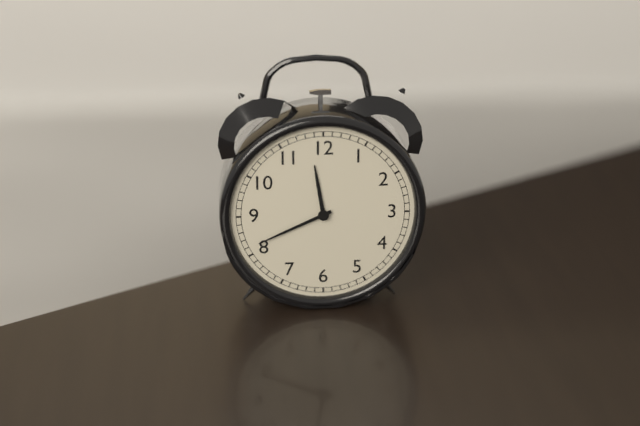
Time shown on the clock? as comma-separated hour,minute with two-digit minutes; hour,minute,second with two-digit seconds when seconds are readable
11,41
